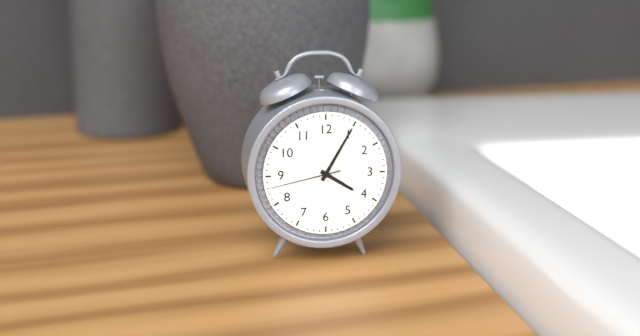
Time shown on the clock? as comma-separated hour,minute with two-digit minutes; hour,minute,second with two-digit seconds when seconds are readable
4,05,43
